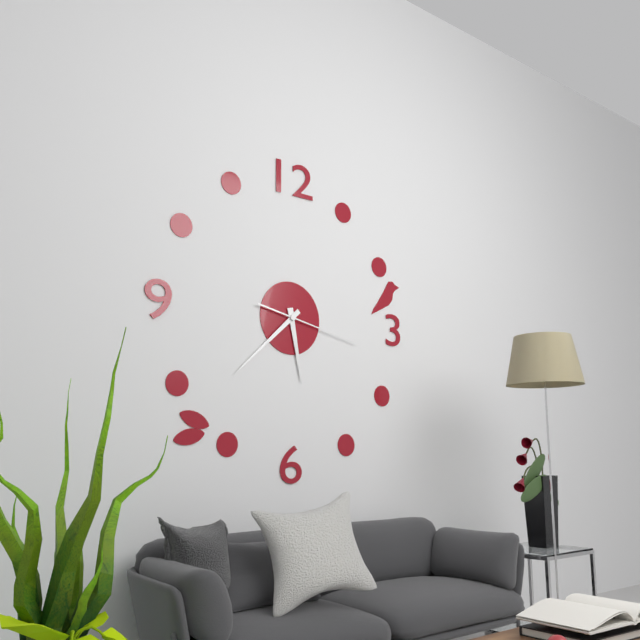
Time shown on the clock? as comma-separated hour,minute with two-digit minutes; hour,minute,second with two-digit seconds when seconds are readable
5,38,17
